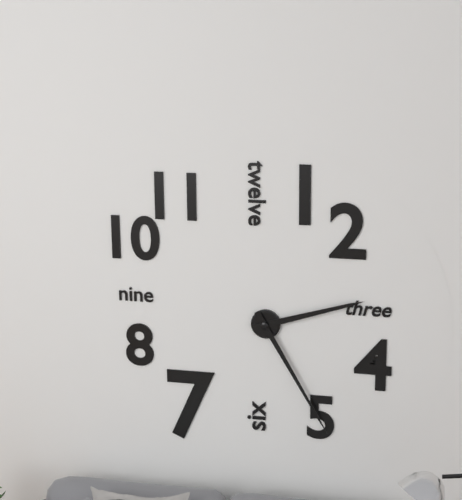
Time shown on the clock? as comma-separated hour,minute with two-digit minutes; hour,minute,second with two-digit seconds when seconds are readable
2,25
